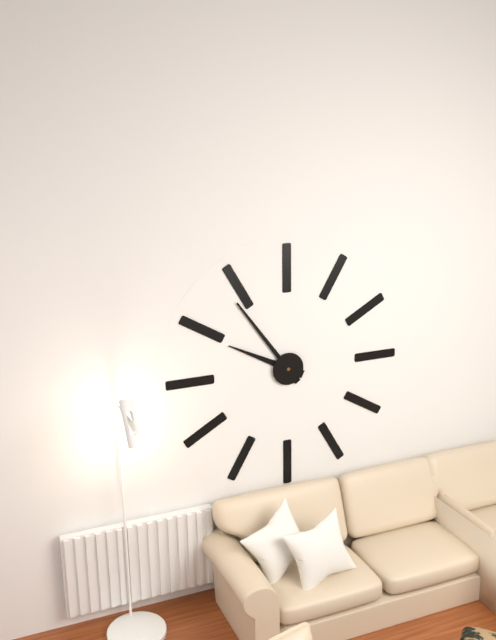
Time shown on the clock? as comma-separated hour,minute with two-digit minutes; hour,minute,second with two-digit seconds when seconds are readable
9,54
